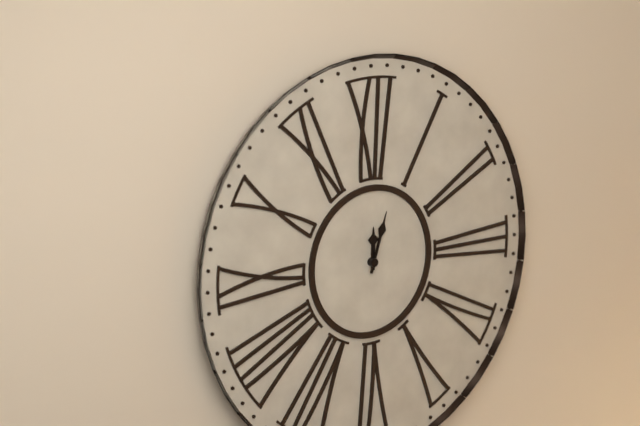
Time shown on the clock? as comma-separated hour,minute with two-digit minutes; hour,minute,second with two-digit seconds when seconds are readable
12,03
